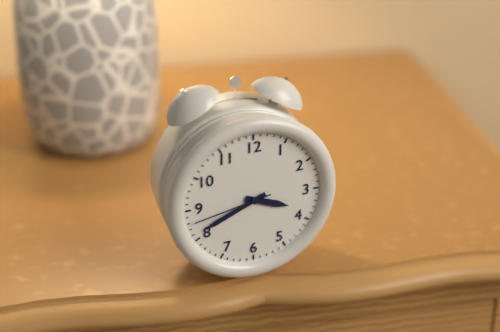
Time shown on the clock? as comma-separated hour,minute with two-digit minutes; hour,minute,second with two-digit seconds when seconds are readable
3,41,43
